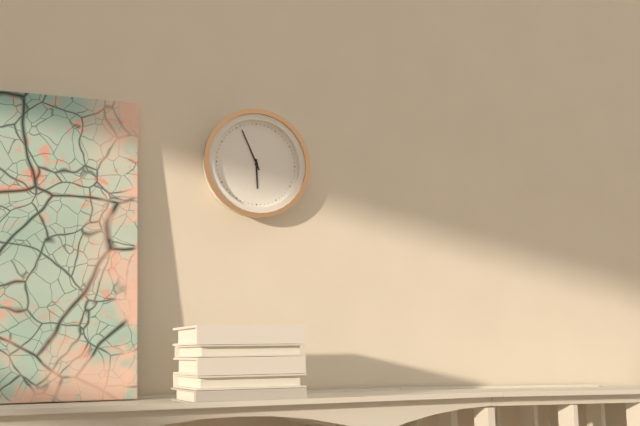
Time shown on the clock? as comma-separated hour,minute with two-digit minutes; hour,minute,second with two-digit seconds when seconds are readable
5,56
